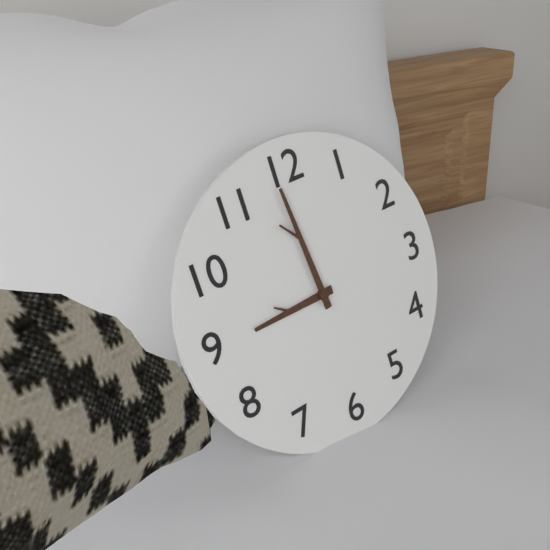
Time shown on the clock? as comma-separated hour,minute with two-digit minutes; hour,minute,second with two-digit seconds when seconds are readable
8,59
